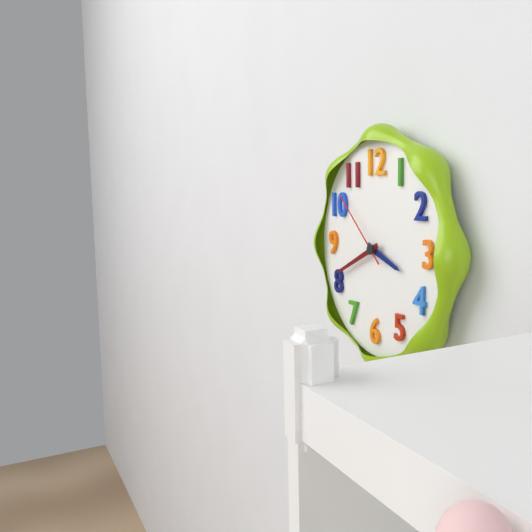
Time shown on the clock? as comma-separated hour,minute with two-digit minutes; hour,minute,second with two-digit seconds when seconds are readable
3,41,52
